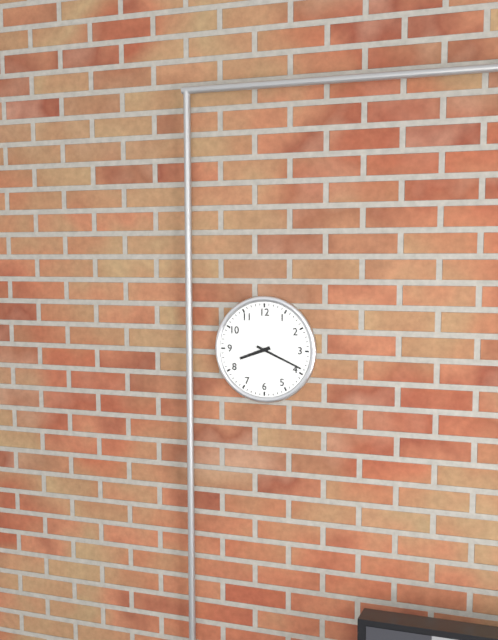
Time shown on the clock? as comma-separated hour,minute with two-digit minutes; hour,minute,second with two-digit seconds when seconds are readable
8,19
